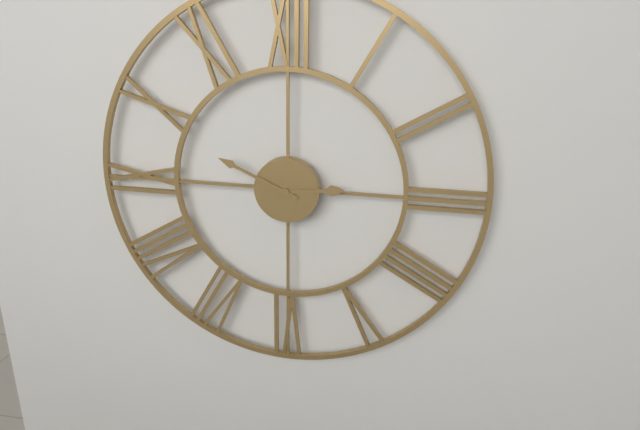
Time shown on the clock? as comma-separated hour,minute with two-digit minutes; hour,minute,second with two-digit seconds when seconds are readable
2,49
